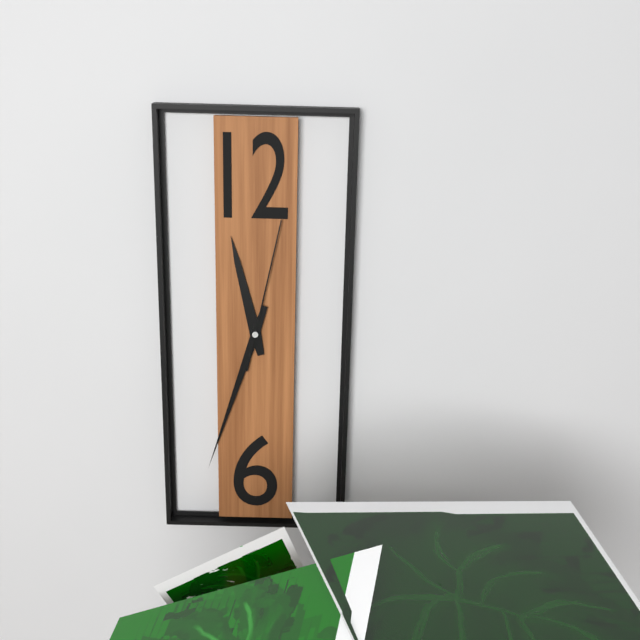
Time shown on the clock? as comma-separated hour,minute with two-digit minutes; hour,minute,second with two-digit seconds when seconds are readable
11,33,02
